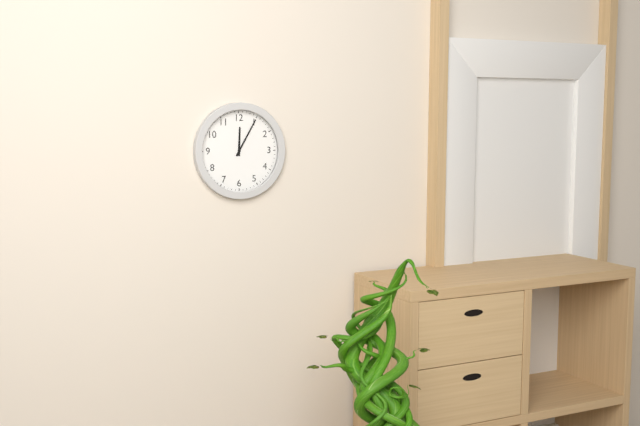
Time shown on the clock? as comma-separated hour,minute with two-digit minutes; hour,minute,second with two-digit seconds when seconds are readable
12,05
